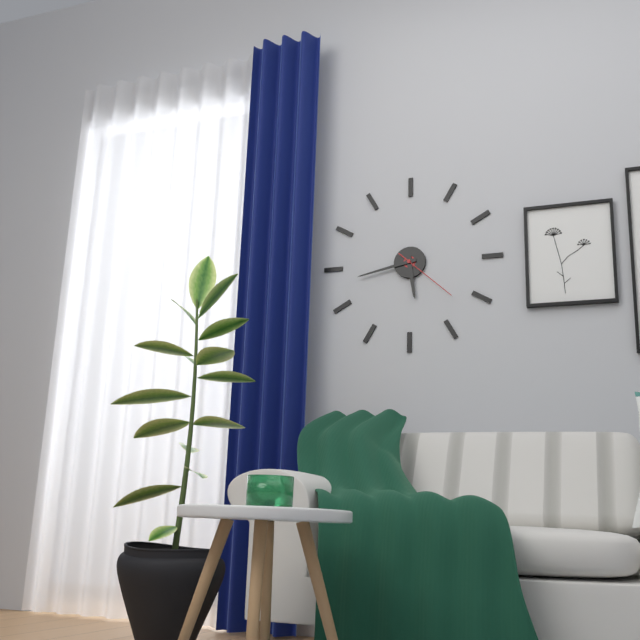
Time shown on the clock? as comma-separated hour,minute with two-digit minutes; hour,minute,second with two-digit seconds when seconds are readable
5,43,22
